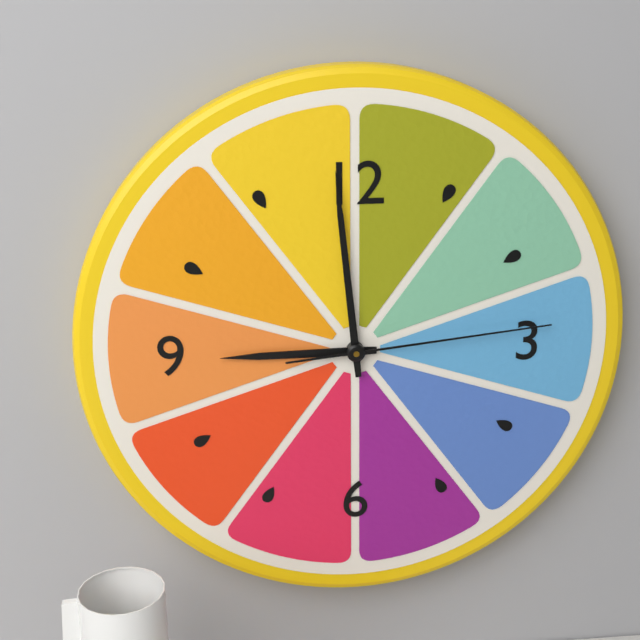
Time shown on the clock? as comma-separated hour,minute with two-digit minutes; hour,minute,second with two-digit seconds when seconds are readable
8,59,14
